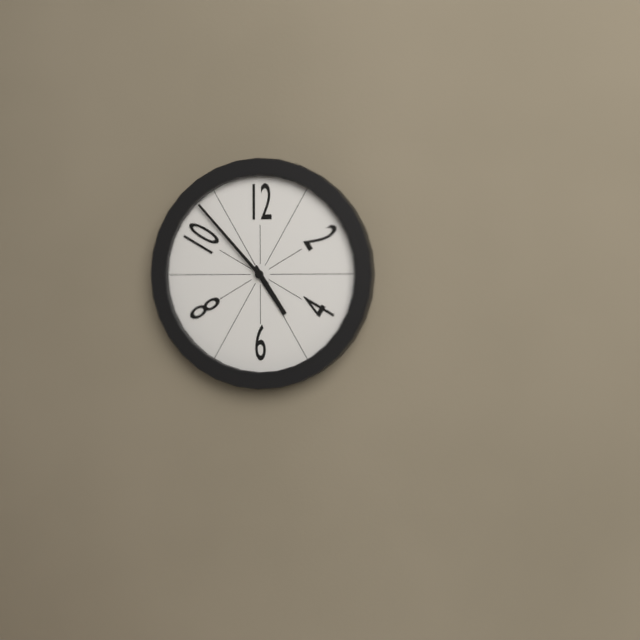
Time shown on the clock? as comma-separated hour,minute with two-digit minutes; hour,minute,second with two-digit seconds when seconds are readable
4,53
